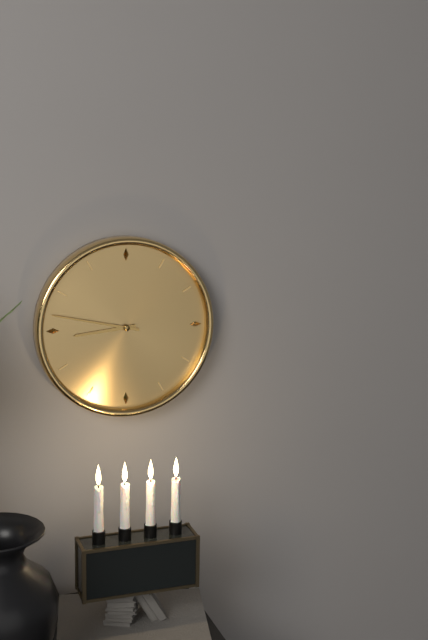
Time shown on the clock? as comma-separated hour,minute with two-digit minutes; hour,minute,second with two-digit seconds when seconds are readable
8,47
